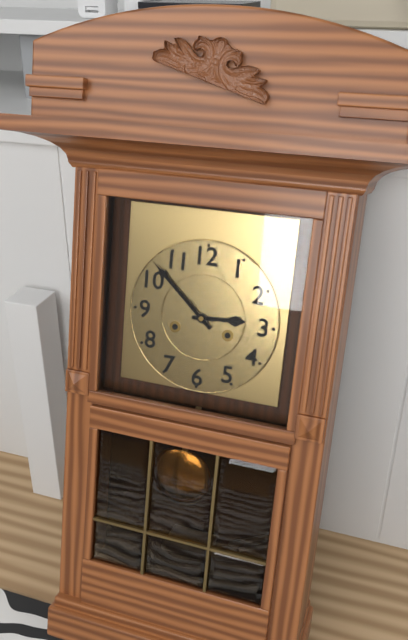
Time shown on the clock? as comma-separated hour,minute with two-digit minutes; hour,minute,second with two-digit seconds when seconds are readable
2,52
